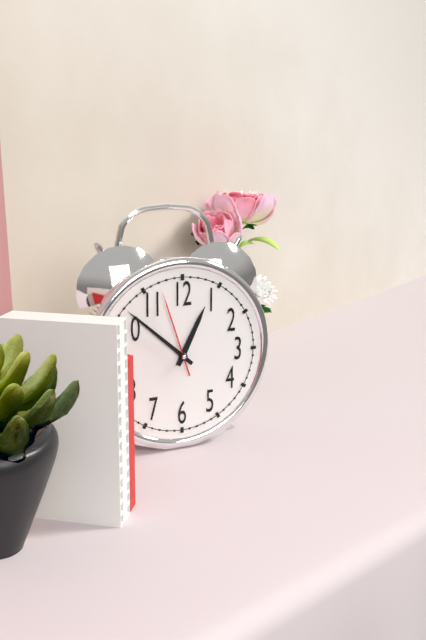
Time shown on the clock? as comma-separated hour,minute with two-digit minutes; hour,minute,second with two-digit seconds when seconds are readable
12,52,57
